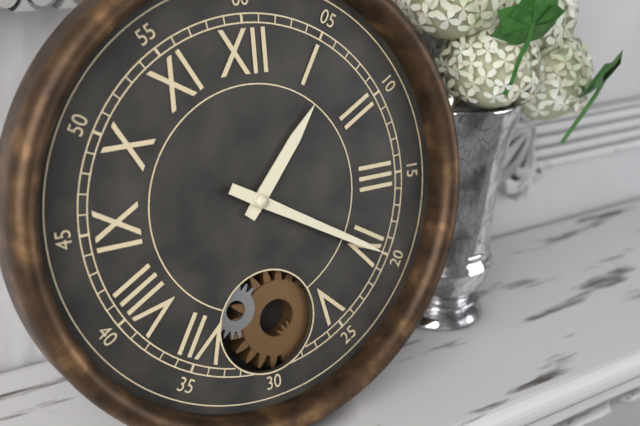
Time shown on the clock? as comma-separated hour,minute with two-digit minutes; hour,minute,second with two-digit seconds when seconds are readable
1,20
